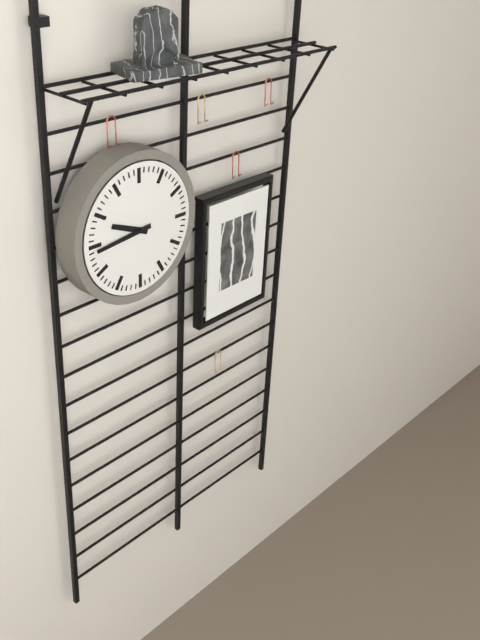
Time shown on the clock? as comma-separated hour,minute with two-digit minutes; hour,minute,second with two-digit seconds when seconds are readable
9,44
